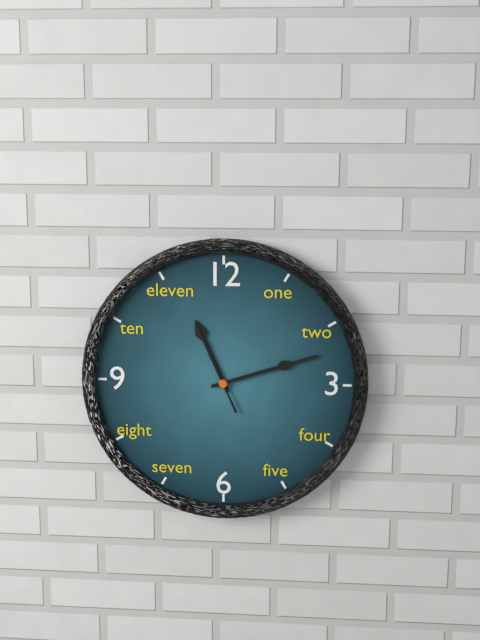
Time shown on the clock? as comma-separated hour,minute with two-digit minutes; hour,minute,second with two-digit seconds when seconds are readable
11,12,56
